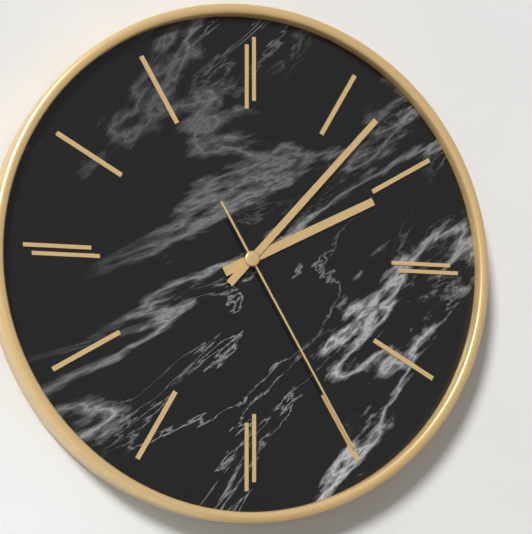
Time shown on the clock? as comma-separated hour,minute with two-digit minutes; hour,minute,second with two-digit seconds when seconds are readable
2,07,25
